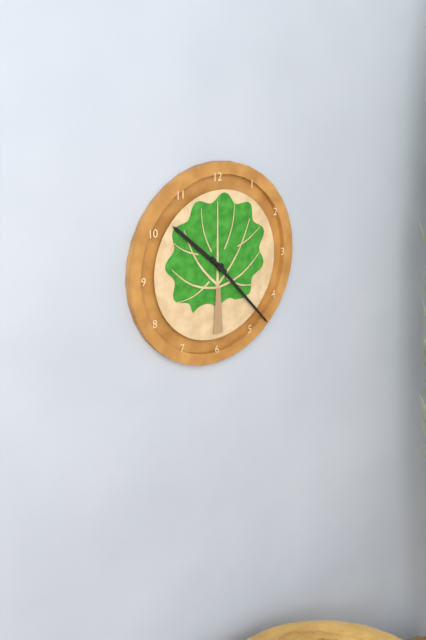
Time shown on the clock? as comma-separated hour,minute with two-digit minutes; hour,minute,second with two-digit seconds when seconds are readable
10,23
